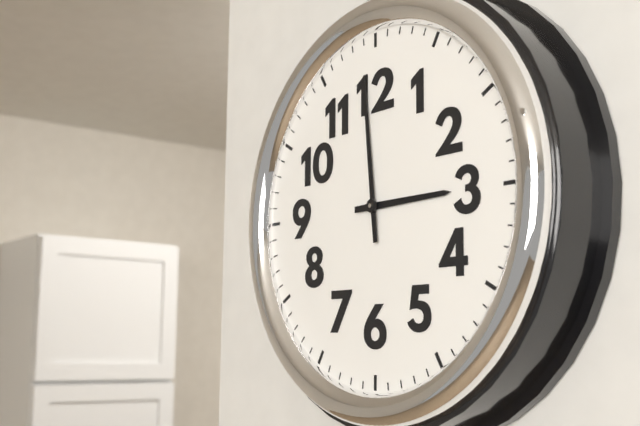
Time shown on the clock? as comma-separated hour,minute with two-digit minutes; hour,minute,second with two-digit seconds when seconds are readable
2,59
